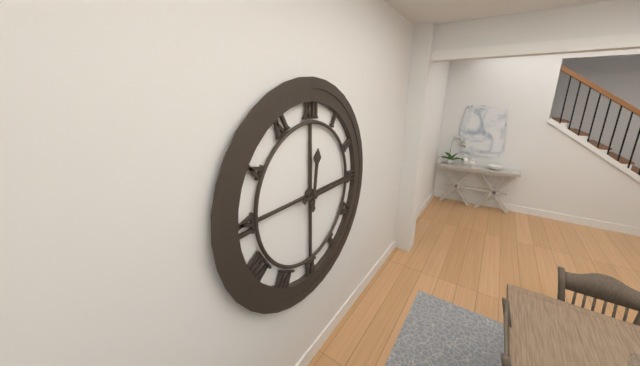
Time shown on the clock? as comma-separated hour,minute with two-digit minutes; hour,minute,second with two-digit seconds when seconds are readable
12,15
